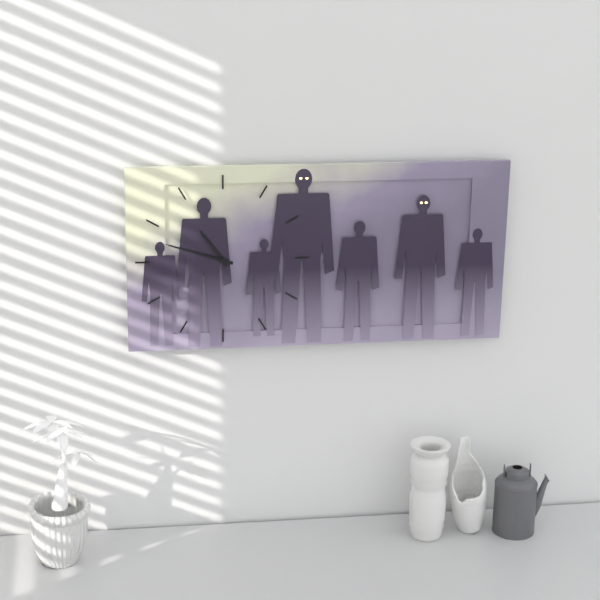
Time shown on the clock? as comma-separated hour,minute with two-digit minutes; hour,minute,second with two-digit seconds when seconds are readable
10,48
